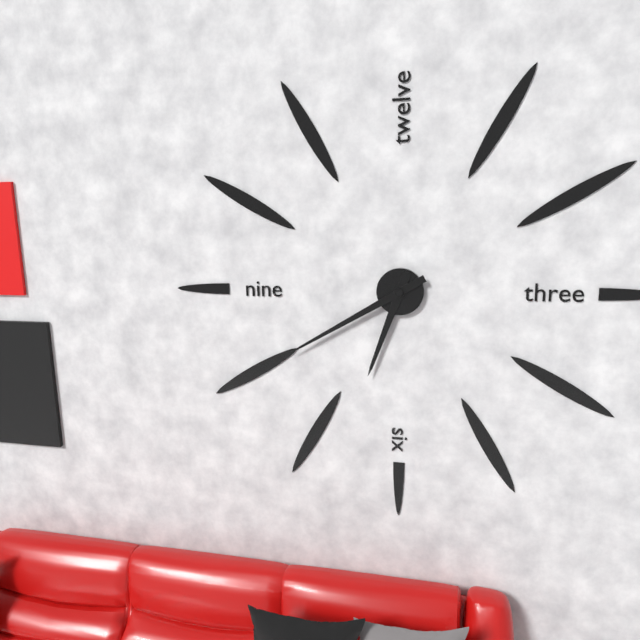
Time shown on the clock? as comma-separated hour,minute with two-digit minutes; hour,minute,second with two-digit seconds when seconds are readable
6,40
